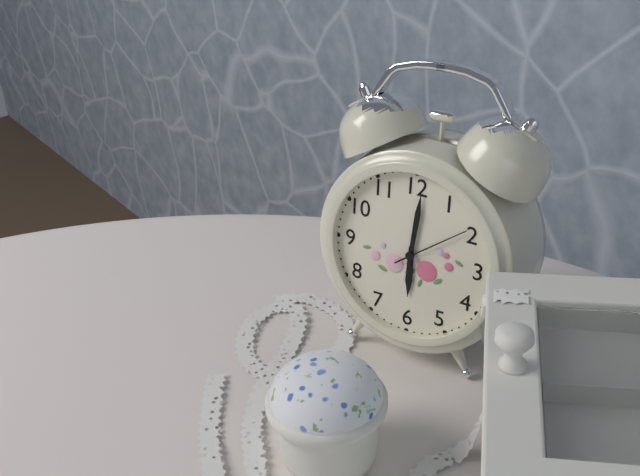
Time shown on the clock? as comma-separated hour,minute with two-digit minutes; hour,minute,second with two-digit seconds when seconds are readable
6,01,09
